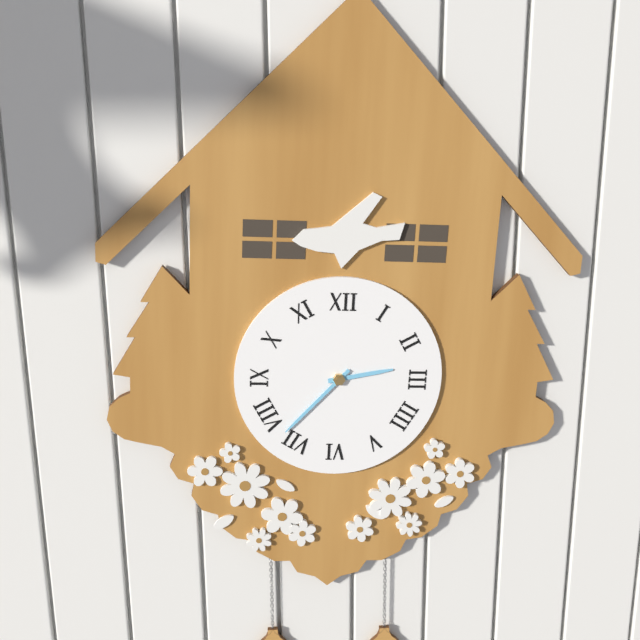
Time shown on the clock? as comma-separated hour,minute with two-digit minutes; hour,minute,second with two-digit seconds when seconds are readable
2,37
